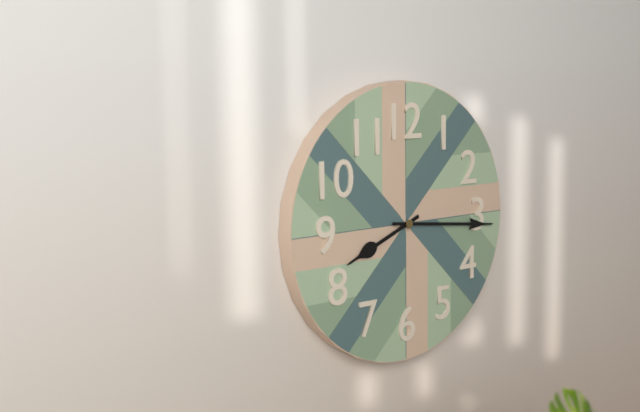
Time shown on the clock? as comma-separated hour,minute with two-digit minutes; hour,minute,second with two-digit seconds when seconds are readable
8,16
